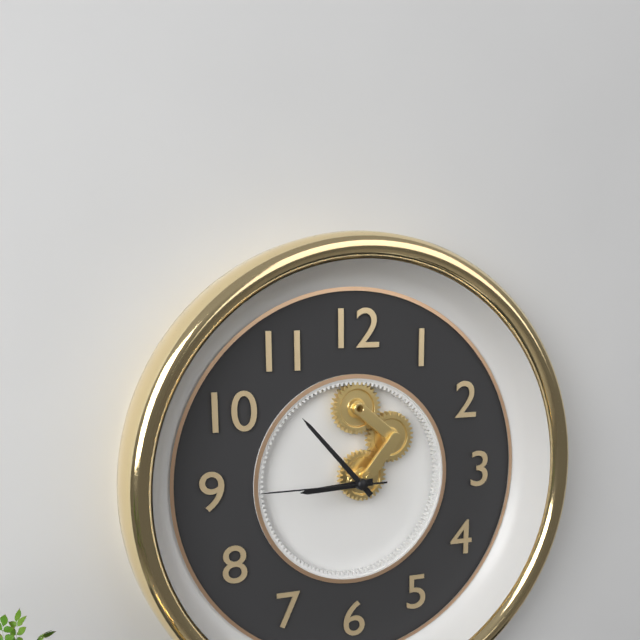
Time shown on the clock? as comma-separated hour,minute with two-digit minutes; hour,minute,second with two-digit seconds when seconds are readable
8,53,45
